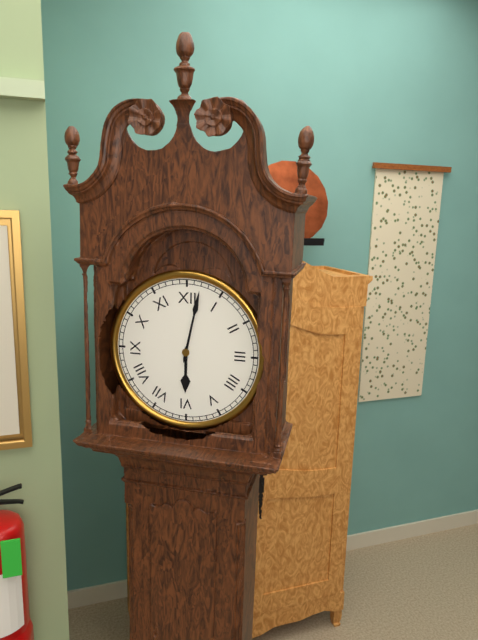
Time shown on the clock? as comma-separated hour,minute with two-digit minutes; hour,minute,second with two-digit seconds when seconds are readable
6,02
